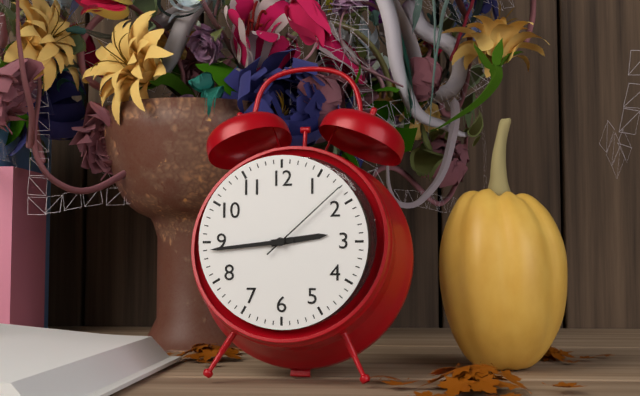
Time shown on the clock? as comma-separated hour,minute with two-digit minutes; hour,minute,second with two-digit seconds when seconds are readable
2,44,08
